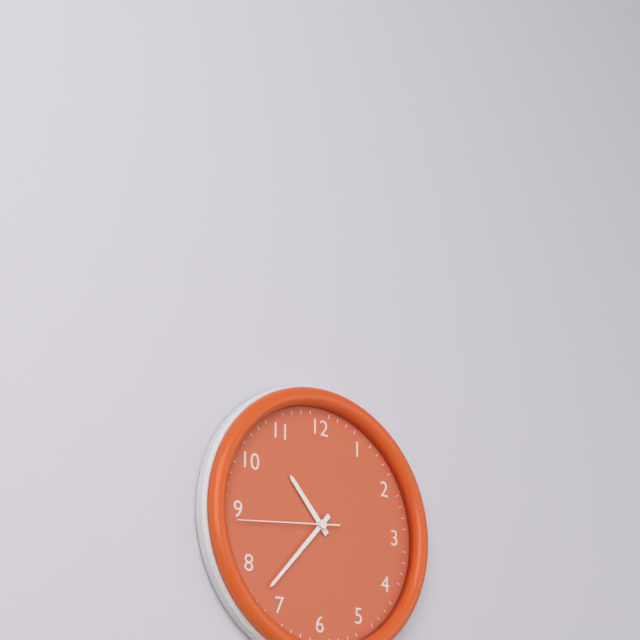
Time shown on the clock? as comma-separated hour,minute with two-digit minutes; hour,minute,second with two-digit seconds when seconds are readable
10,37,44
